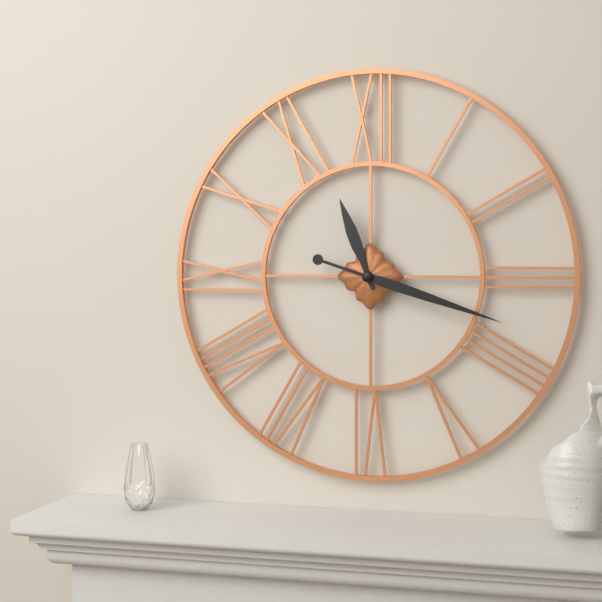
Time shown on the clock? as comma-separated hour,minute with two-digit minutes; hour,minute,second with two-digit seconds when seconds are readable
11,18
